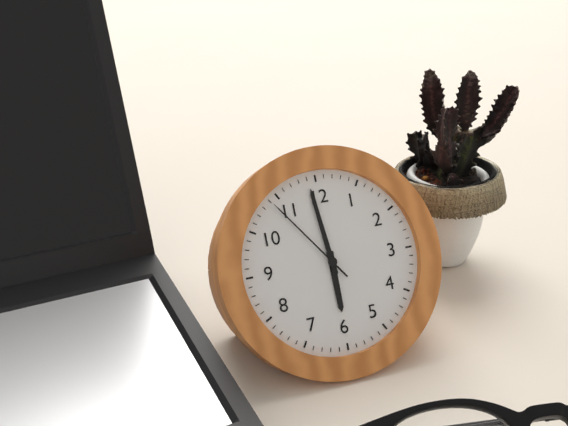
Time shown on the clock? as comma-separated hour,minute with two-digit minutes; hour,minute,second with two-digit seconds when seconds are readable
5,59,54
